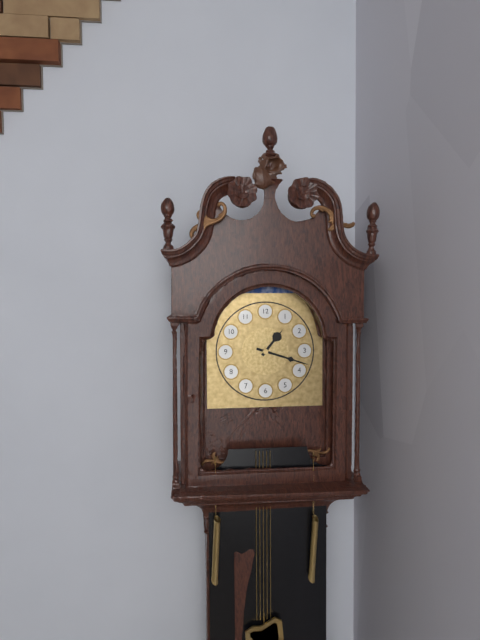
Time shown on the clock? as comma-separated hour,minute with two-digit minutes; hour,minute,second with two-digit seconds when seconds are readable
1,18
